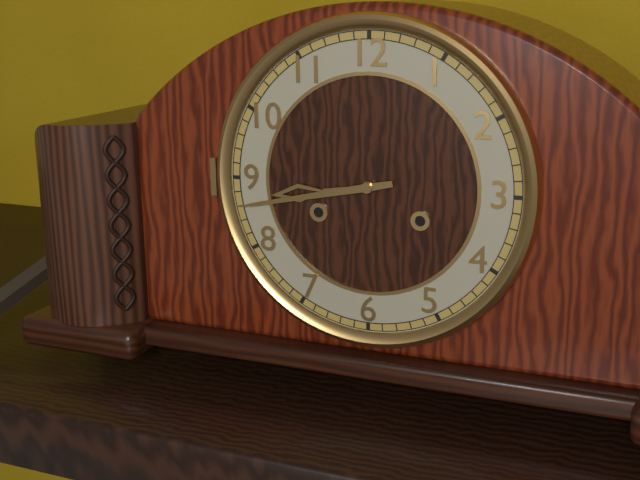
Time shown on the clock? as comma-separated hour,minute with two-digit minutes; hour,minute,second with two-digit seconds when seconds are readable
8,43
